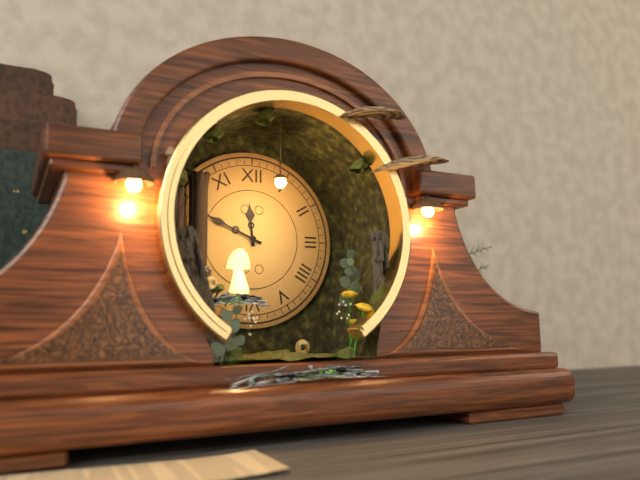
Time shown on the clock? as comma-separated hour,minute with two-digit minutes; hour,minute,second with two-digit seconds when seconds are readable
11,49
